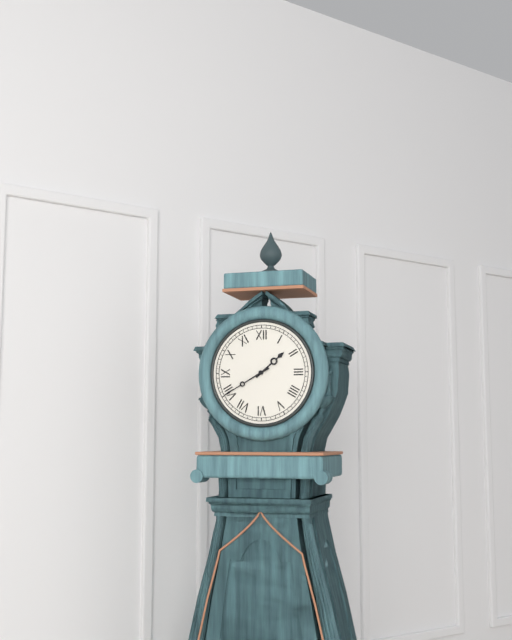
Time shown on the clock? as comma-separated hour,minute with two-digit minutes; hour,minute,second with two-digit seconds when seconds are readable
1,40
